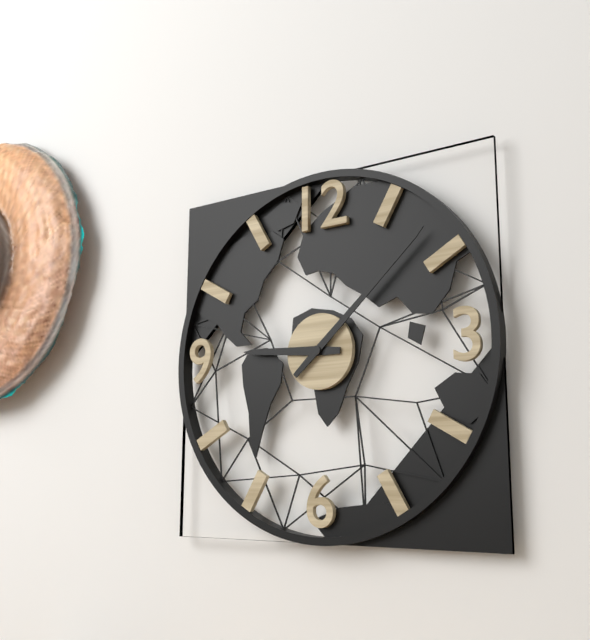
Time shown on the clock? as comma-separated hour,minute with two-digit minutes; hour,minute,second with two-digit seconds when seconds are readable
9,08
